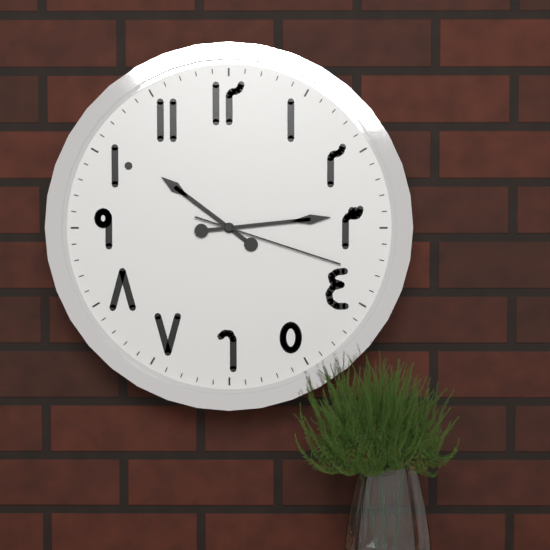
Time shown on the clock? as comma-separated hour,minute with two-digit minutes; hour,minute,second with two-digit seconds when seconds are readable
10,14,18
